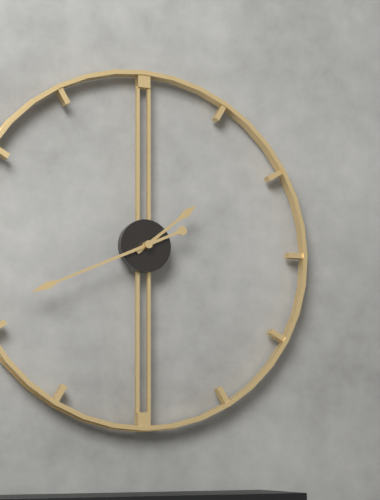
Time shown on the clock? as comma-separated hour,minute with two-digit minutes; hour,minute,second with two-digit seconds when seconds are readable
1,41
